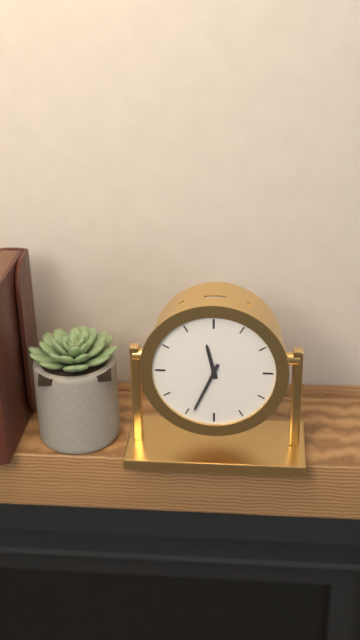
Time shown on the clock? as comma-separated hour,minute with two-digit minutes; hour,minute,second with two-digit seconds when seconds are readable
11,34
